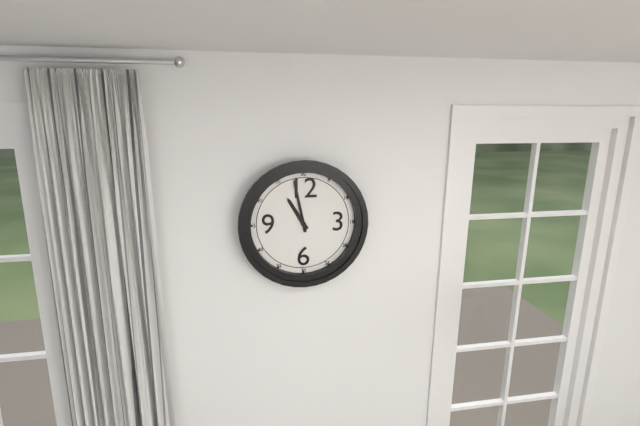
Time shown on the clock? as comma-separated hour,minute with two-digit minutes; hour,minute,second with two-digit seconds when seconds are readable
10,58
